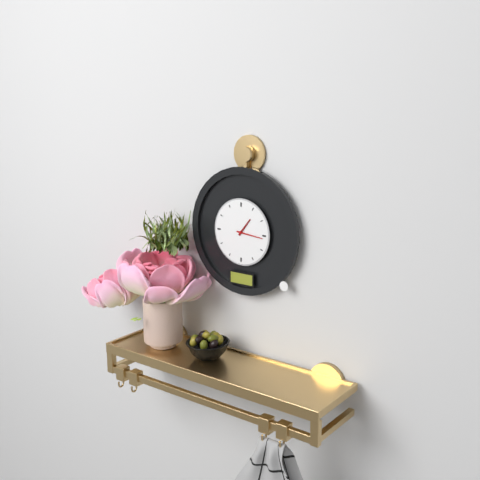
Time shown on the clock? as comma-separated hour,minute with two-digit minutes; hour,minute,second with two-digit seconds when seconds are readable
1,16
